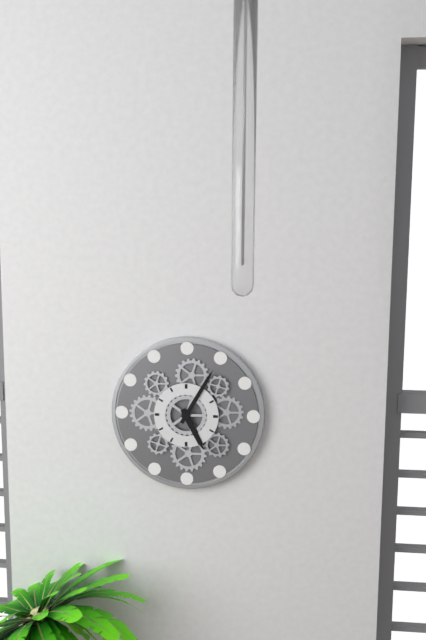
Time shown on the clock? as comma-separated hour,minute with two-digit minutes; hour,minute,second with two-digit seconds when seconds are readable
5,05
